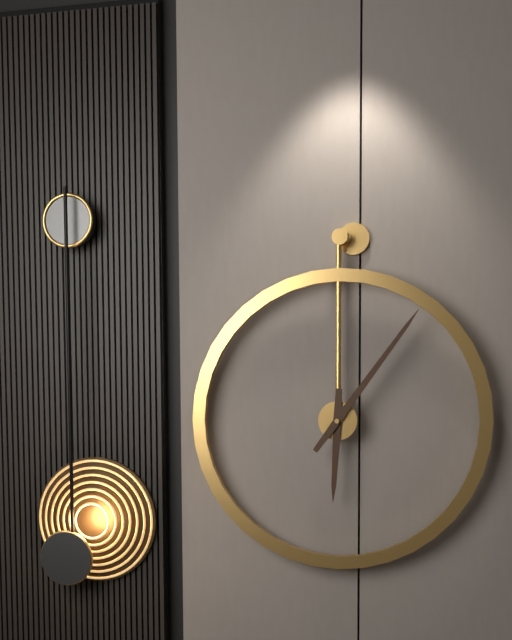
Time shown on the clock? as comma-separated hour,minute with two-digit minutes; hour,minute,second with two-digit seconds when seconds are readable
6,06
